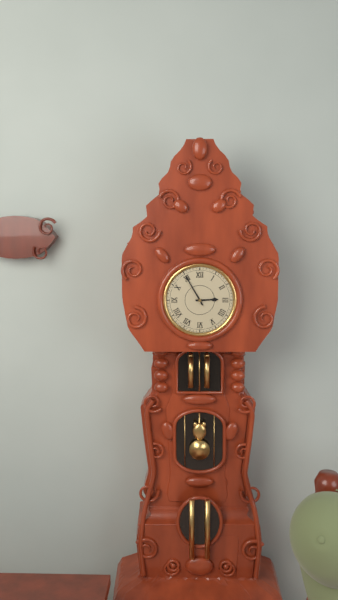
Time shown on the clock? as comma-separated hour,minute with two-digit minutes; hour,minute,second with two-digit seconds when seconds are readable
2,55
